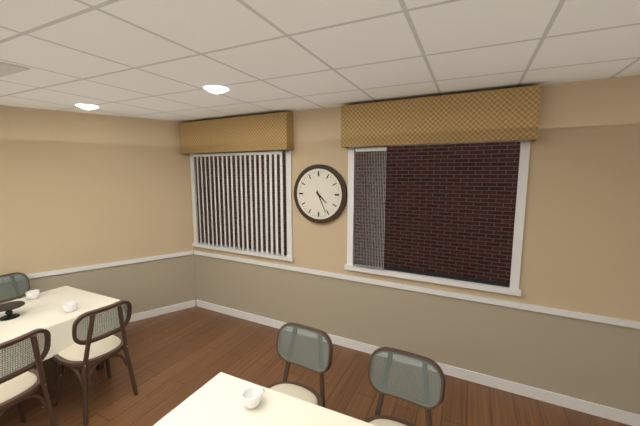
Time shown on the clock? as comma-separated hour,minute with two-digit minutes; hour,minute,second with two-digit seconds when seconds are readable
4,26
